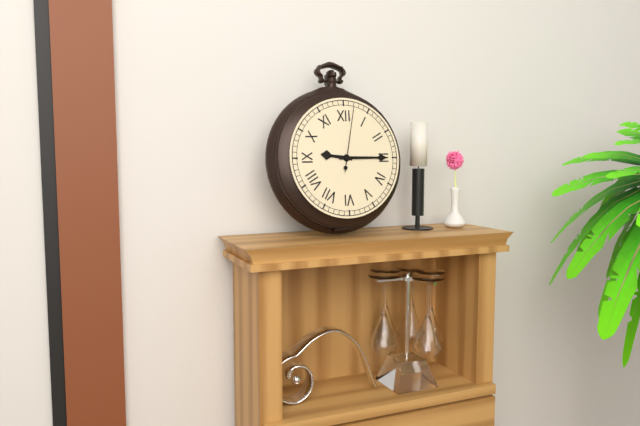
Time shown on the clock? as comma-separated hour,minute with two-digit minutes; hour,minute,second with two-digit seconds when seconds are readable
9,15,02
